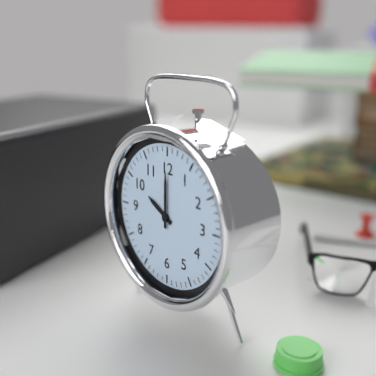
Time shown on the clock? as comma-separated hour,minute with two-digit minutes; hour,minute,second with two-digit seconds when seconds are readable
10,00
